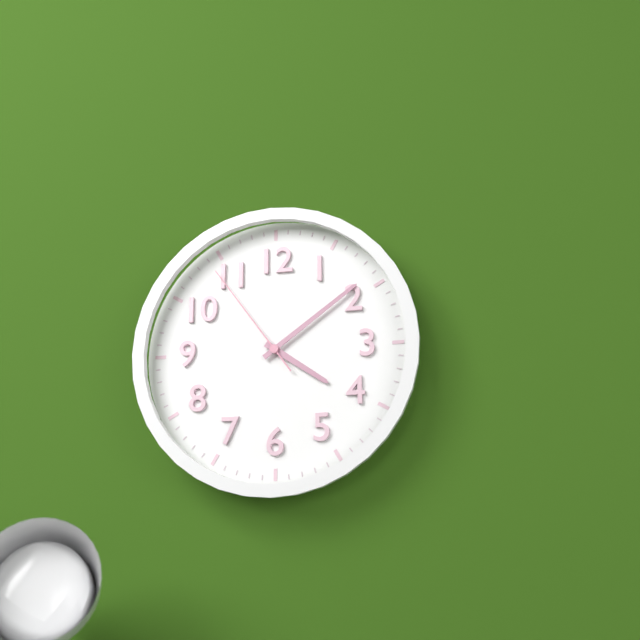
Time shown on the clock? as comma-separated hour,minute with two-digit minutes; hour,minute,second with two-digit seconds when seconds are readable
4,09,54
